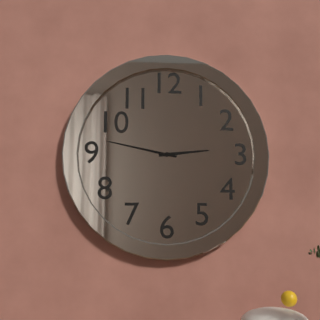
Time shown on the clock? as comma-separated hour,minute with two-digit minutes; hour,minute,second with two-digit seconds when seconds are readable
2,47
